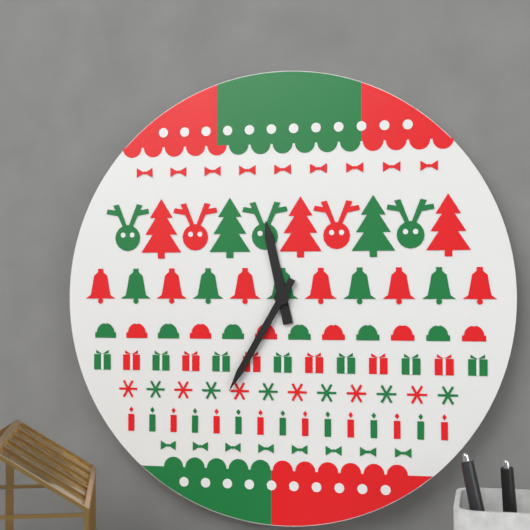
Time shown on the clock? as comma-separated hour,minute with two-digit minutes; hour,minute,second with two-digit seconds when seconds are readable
11,35
